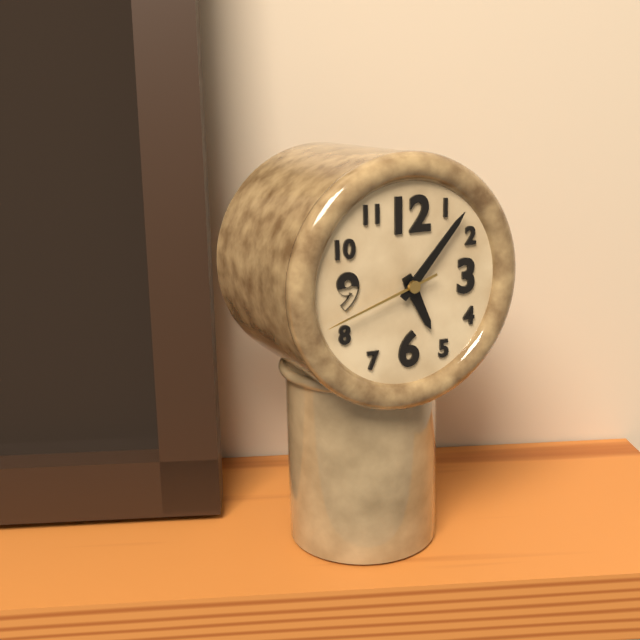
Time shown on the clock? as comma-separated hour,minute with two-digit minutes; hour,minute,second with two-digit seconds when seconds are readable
5,07,42
